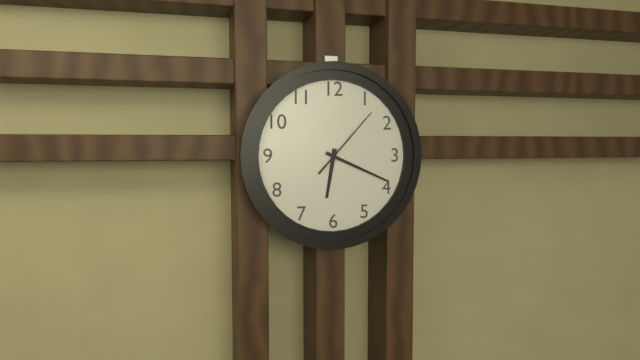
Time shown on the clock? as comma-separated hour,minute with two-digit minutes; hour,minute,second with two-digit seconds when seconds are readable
6,19,07
